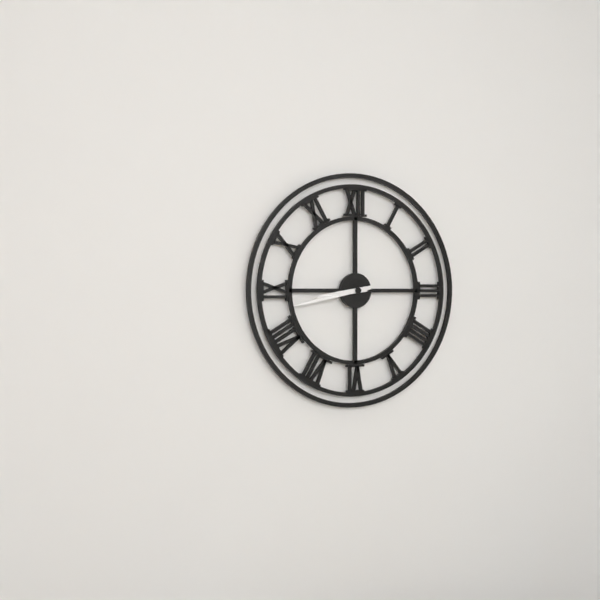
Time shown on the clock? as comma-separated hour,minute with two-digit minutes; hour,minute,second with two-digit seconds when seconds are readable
8,43
